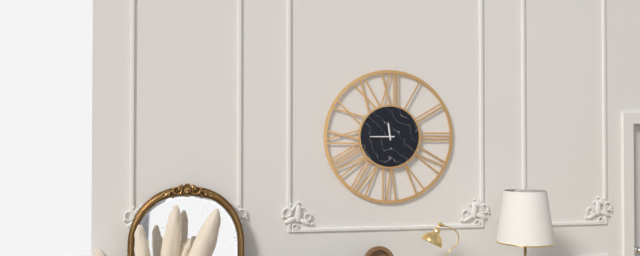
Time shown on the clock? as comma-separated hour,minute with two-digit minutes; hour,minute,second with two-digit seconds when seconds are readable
11,45
